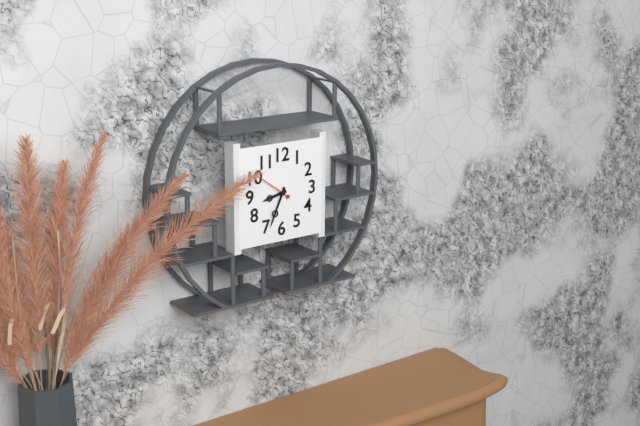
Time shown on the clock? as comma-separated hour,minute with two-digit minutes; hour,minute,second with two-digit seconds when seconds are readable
8,34
